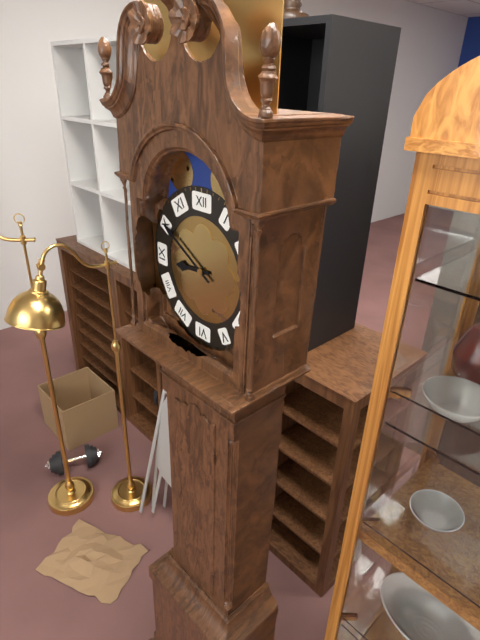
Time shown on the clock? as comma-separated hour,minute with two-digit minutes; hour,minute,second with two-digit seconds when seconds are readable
8,50
